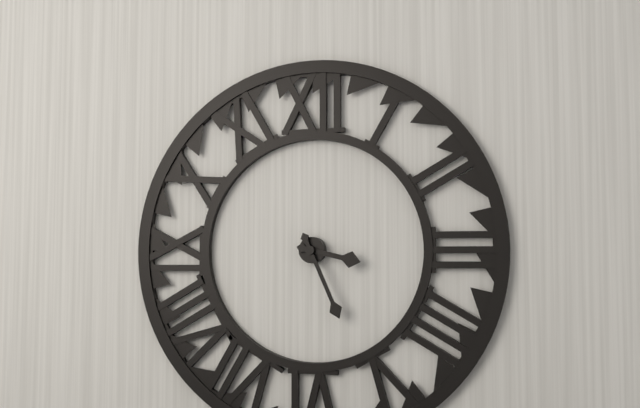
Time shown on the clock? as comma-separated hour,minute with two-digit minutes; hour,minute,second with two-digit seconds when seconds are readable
3,26
